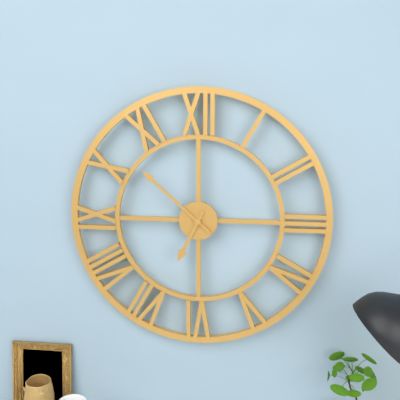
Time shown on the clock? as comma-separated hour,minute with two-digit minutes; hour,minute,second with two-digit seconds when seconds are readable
6,52
